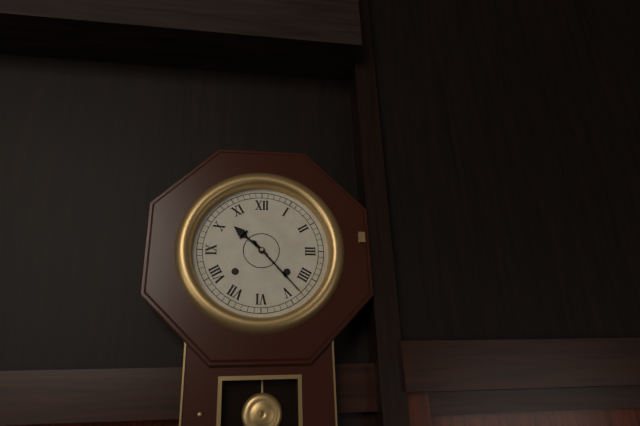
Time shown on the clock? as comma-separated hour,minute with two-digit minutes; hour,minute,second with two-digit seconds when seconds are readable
10,23
